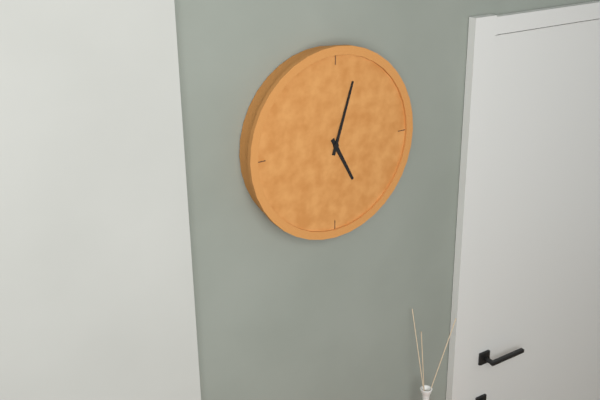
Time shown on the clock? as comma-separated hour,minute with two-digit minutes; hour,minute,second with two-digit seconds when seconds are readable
5,03
